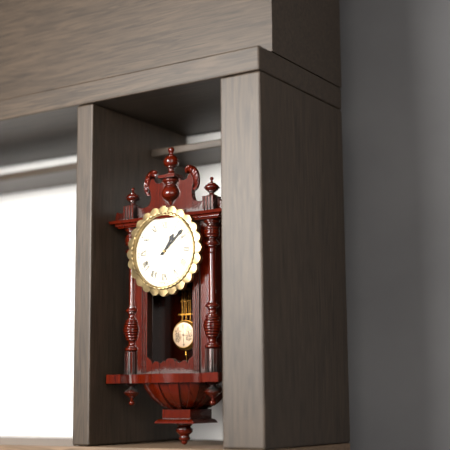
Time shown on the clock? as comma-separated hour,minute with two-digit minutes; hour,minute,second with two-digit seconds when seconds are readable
1,08
